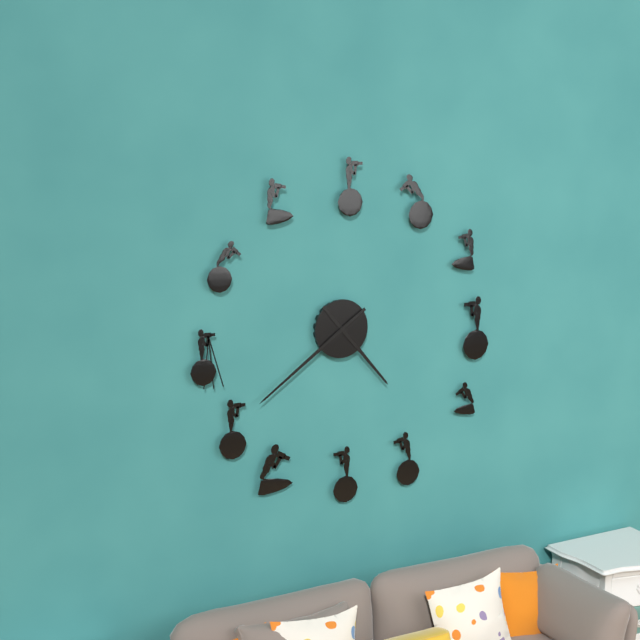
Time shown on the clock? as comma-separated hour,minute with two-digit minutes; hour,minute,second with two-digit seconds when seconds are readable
4,39
